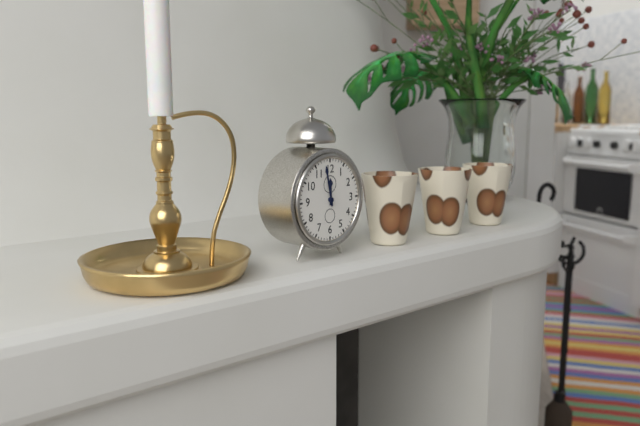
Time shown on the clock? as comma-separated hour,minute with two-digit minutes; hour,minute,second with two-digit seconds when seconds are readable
11,58
